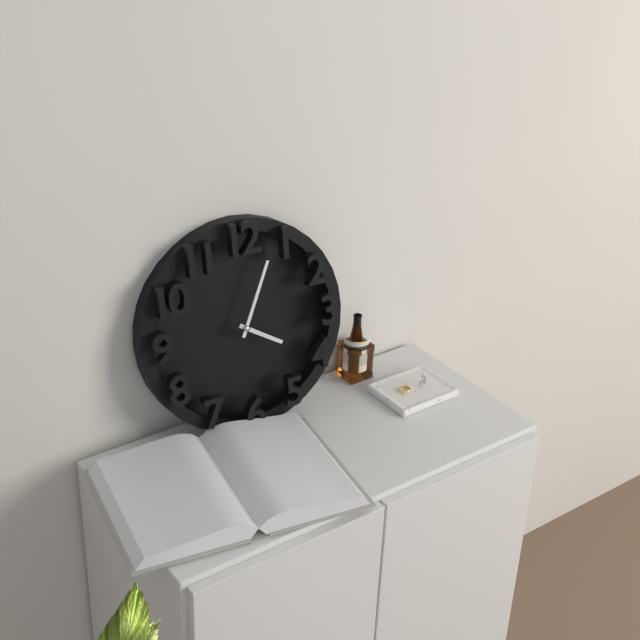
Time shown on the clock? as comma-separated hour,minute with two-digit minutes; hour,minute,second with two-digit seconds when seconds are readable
4,04
